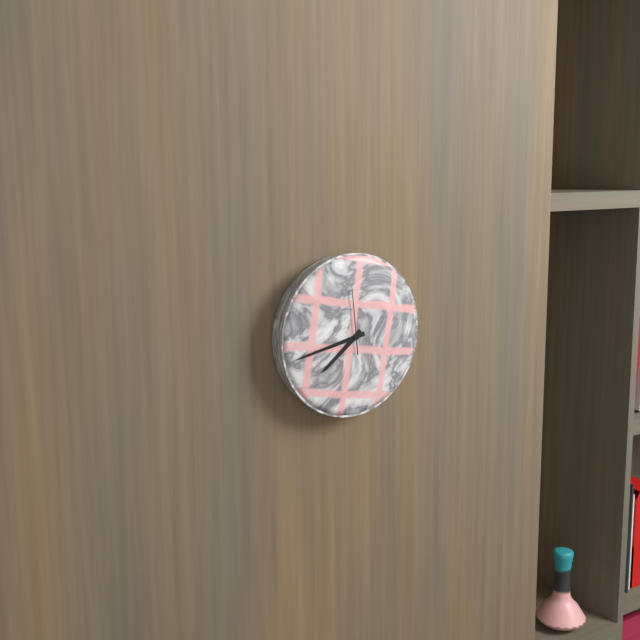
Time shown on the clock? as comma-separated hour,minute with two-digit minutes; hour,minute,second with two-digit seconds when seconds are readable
7,43,59
